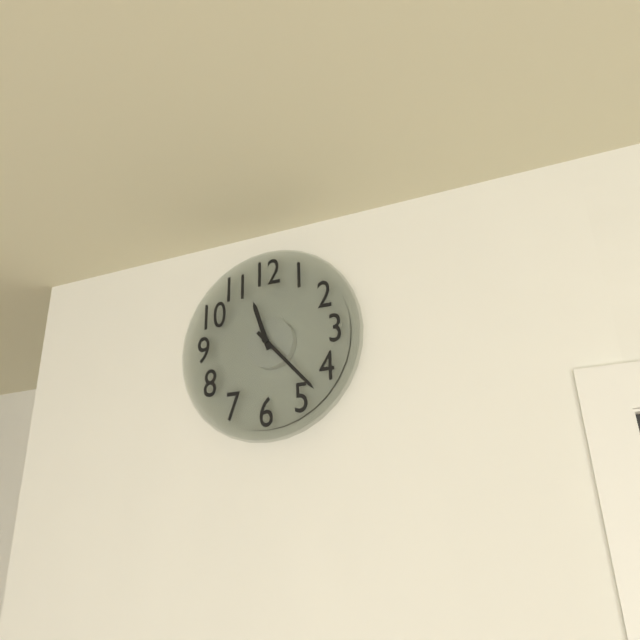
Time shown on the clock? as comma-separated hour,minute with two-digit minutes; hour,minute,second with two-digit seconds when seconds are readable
11,23
